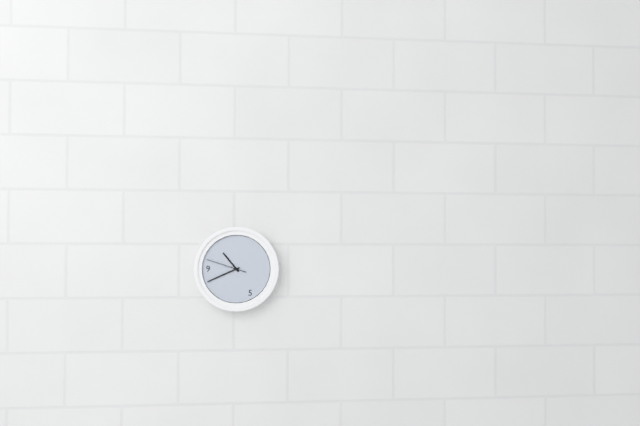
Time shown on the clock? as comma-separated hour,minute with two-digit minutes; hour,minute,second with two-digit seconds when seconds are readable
10,41
